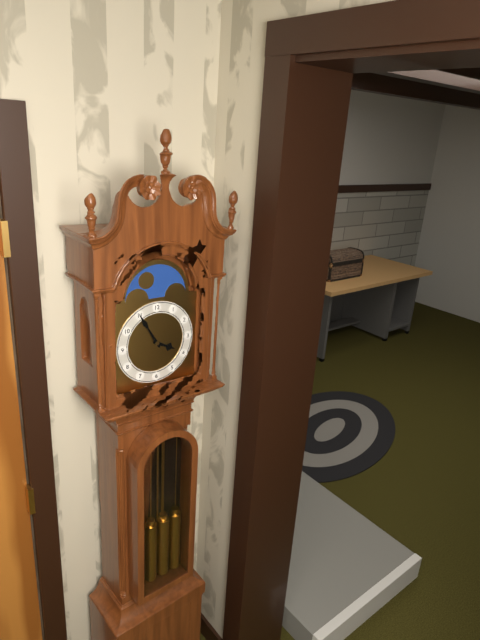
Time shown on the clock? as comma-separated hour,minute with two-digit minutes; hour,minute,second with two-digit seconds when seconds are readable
3,55
